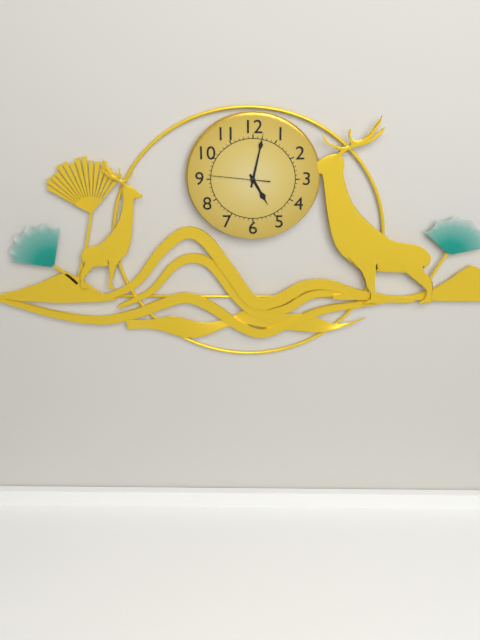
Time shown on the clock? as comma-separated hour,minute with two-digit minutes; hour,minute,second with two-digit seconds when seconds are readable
5,02,46
